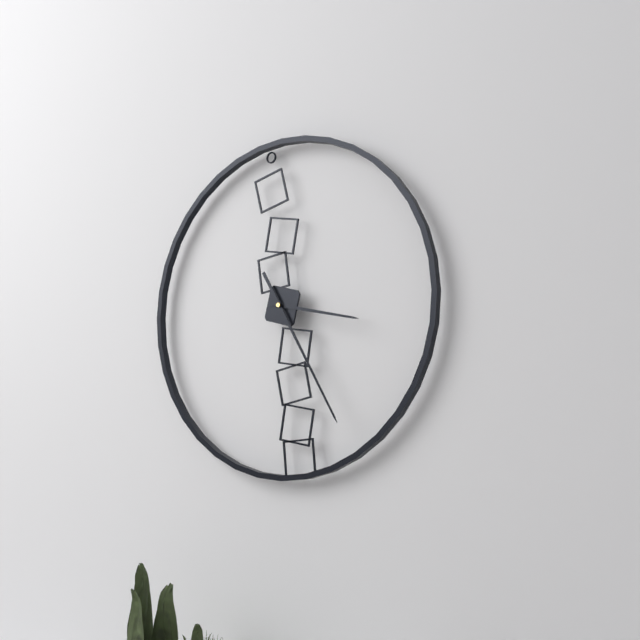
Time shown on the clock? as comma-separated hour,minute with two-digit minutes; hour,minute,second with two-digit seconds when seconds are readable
3,25
